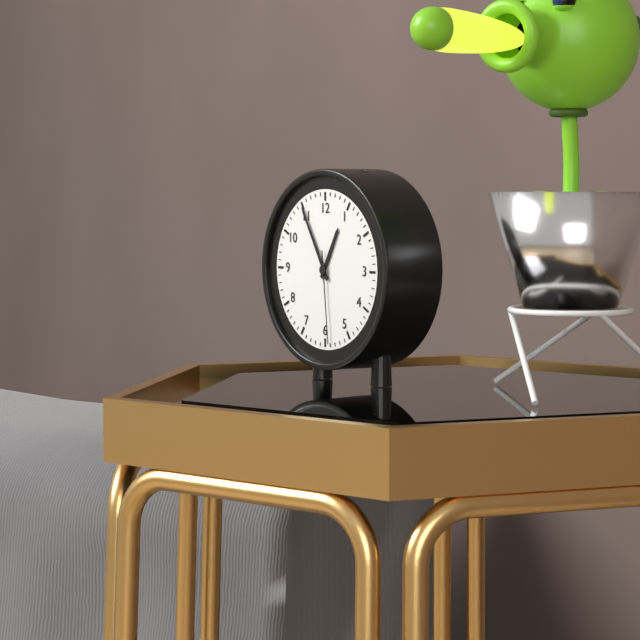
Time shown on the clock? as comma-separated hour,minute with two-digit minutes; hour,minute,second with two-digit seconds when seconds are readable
12,55,29
